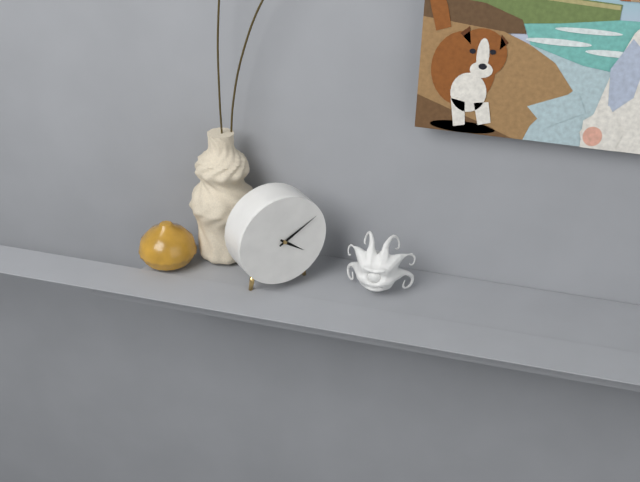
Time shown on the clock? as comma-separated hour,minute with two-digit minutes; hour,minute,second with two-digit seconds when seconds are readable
4,10
